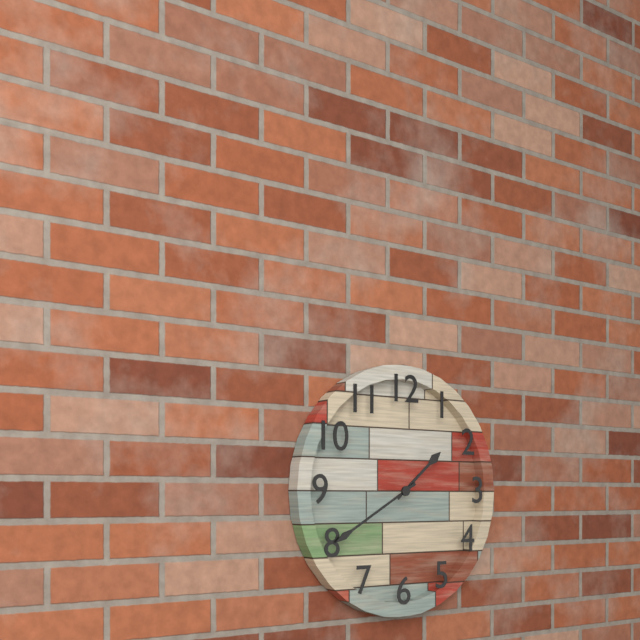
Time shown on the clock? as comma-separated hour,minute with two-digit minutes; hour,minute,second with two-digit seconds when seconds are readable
1,40
